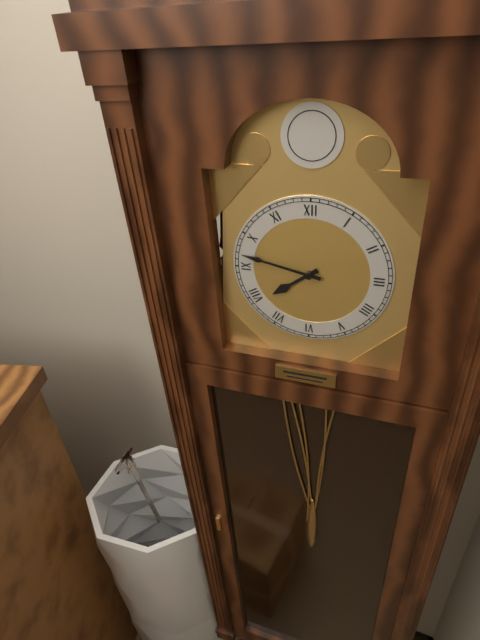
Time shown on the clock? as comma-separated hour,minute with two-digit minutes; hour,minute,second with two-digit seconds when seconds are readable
7,47
